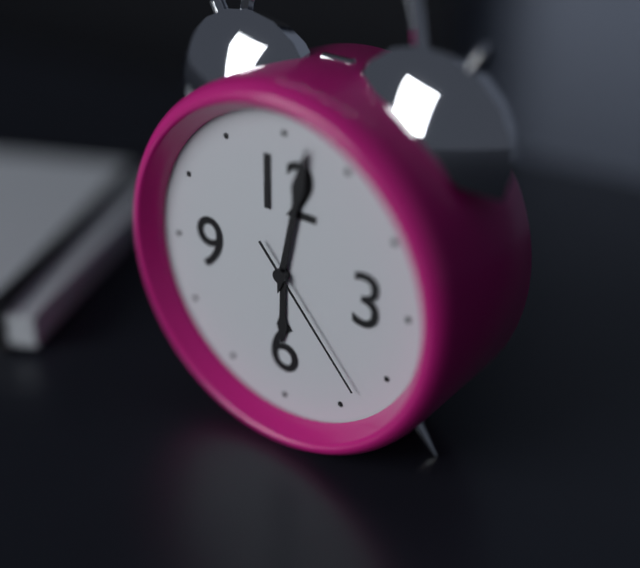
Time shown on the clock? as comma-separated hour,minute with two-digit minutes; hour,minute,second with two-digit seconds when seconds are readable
6,02,23
